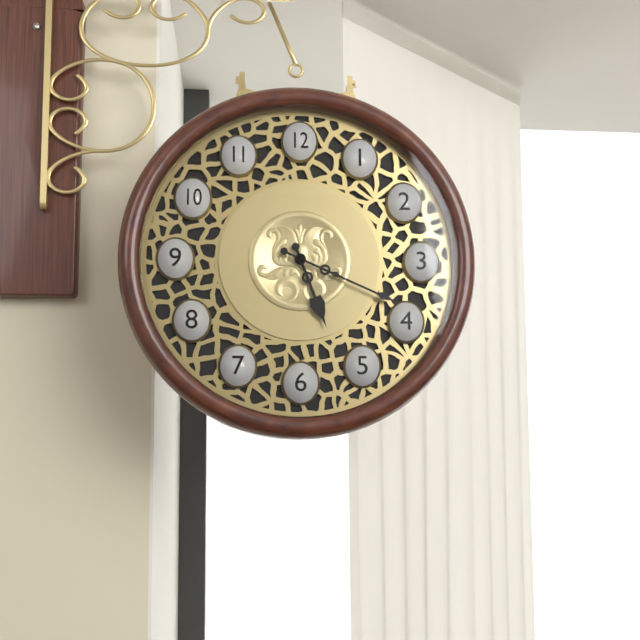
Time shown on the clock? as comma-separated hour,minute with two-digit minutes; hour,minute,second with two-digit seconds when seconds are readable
5,19
